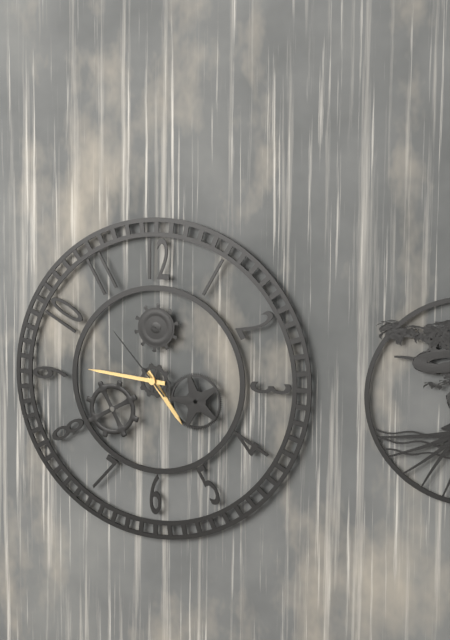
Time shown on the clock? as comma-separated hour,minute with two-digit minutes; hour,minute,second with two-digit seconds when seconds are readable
4,46,53
